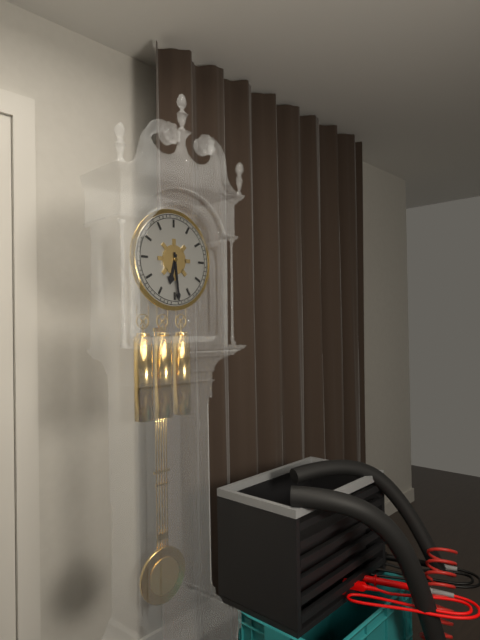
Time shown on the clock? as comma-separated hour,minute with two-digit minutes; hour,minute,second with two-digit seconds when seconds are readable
6,29
